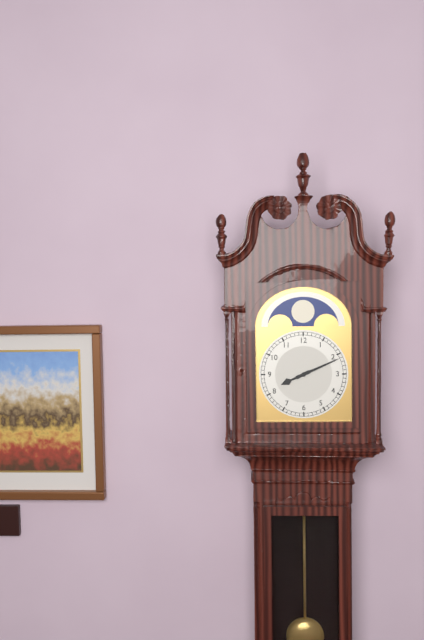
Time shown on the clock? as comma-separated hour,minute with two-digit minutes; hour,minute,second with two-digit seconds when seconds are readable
8,11
